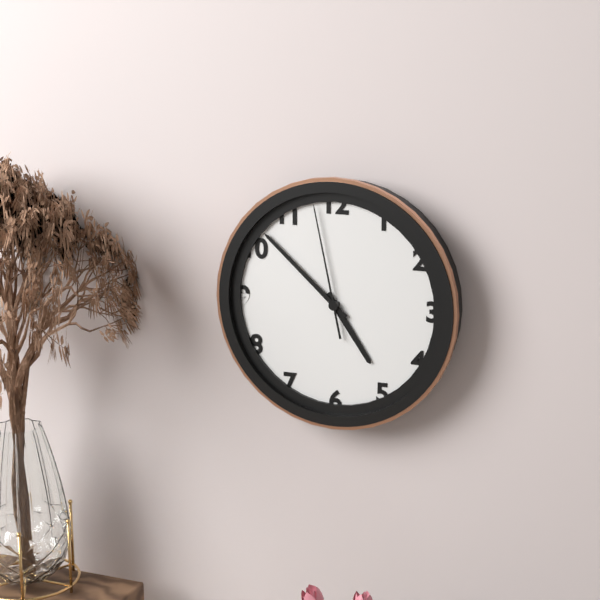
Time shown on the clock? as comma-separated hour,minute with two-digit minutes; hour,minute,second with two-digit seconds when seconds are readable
4,52,58
